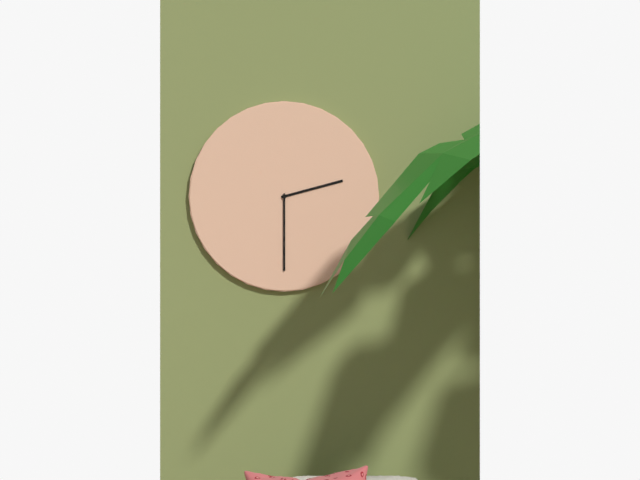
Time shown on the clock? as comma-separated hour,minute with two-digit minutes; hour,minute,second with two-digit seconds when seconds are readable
2,30
